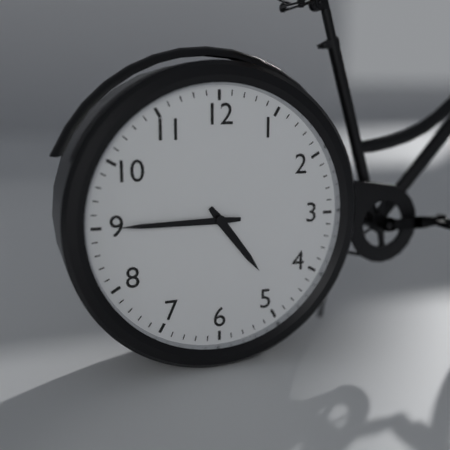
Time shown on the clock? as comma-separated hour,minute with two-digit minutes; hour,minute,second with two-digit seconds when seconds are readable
4,45
